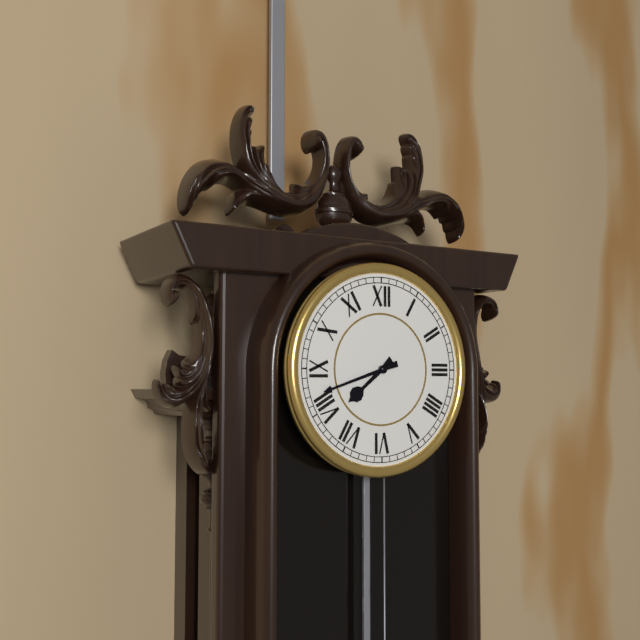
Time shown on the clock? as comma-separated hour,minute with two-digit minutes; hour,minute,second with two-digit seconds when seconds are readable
7,42
